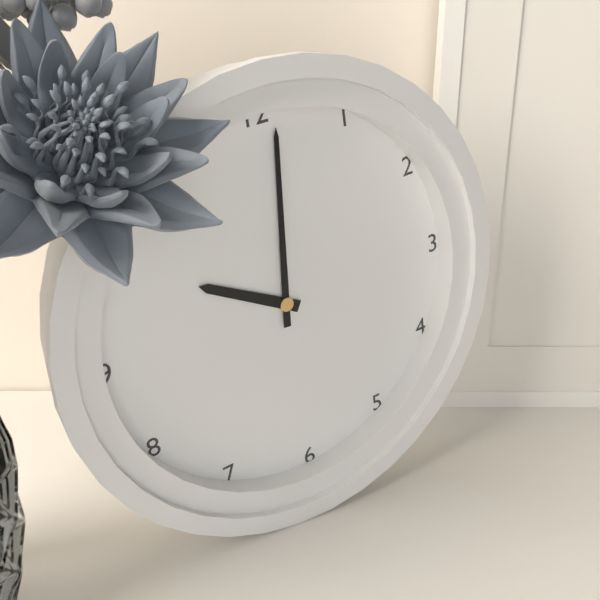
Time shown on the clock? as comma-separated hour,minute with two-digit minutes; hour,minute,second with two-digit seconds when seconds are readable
10,01
